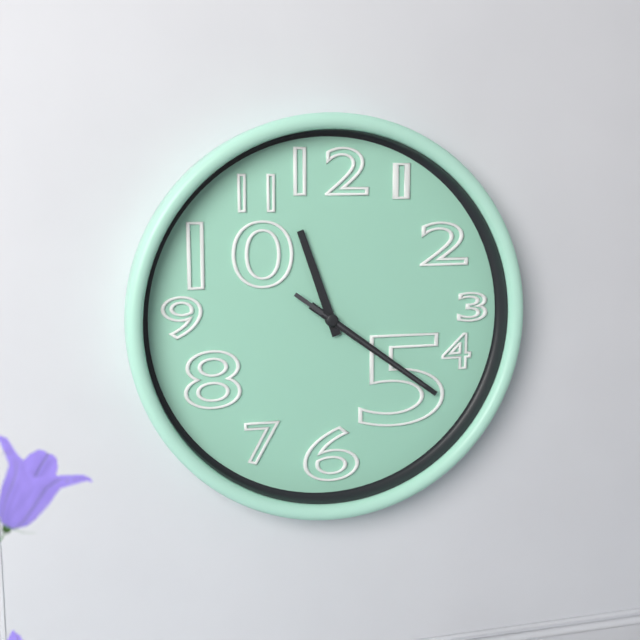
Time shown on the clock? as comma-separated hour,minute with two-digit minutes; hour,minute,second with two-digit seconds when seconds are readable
11,21,21
